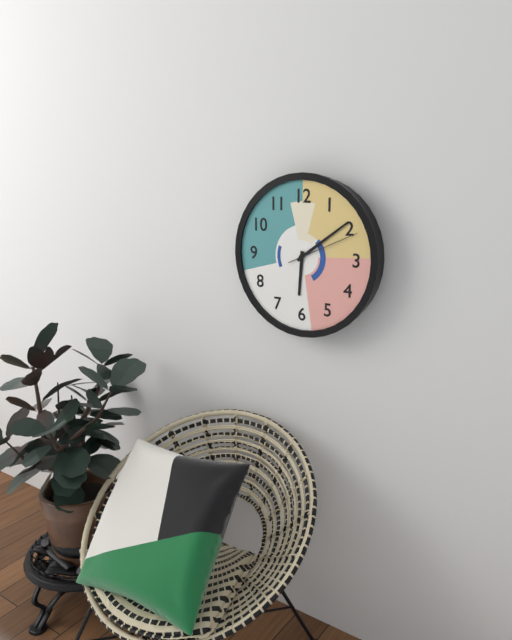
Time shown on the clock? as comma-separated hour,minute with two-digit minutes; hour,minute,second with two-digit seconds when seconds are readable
6,09,11
